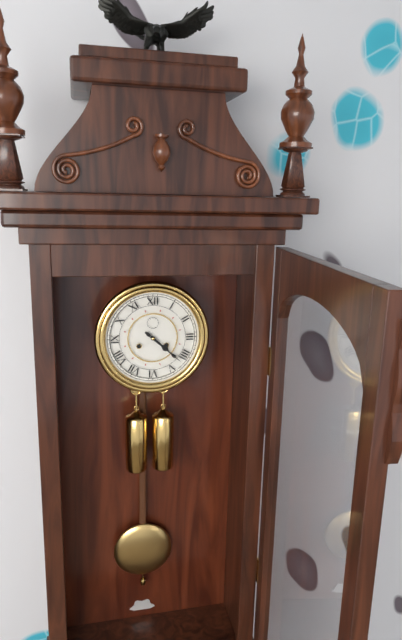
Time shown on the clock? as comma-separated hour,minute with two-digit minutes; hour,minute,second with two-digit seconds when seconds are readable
4,22
